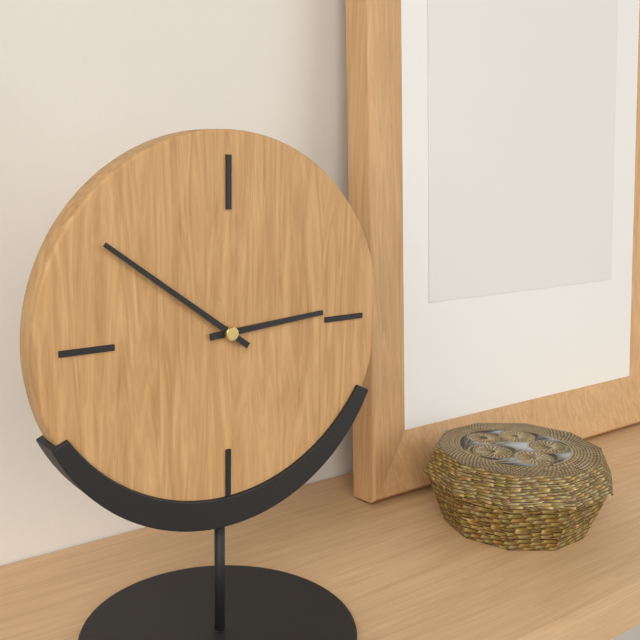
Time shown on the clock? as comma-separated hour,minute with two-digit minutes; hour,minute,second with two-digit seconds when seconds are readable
2,51
